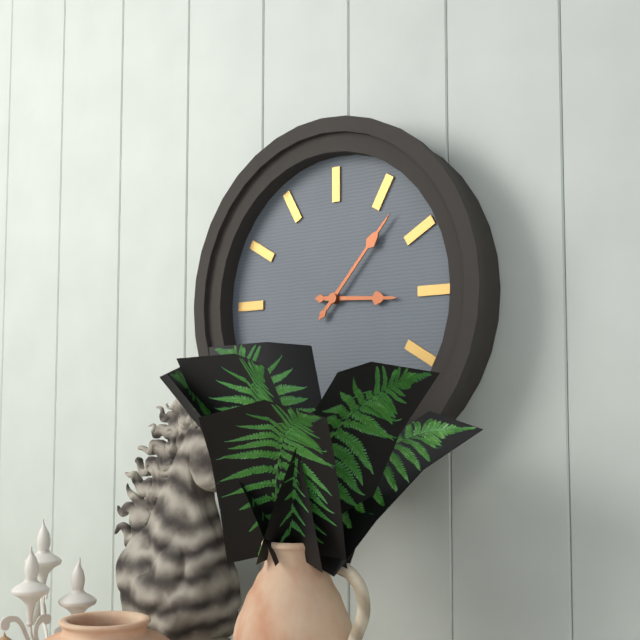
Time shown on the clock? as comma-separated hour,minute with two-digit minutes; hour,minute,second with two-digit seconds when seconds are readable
3,07
